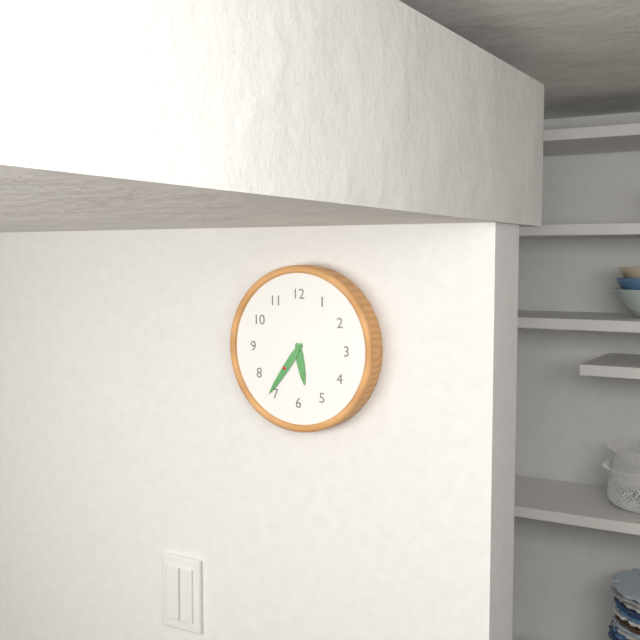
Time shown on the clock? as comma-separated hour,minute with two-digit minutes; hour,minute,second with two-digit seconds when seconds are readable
5,36
